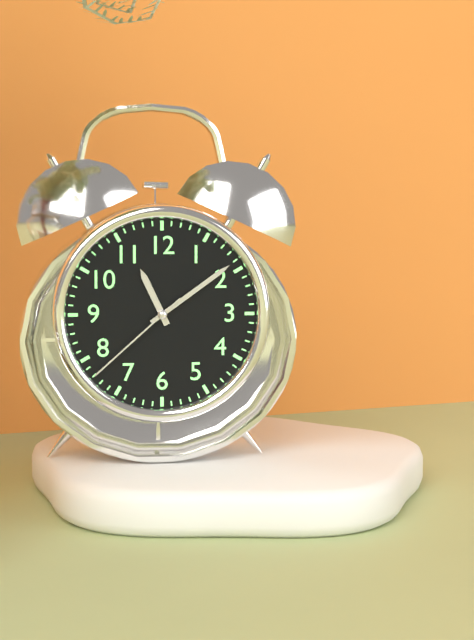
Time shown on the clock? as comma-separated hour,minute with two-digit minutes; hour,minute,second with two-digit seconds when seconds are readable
11,09,38
